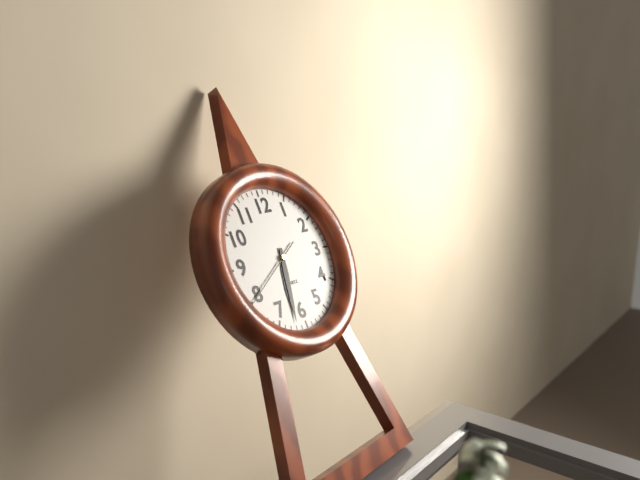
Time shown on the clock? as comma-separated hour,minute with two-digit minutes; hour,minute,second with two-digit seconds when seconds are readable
6,32,40
